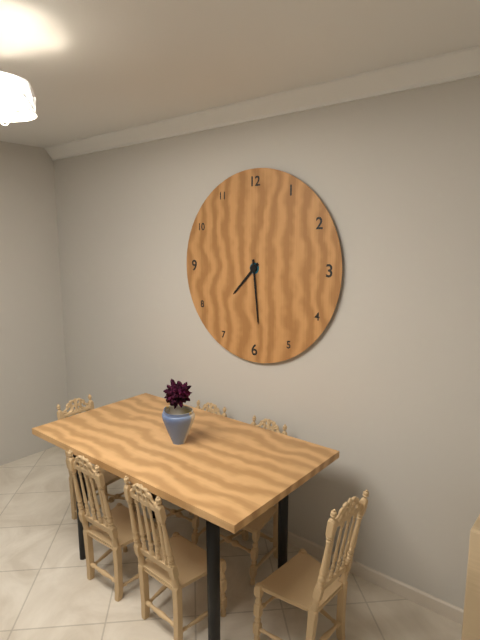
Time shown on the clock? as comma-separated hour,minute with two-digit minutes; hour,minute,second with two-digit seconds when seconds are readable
7,29
